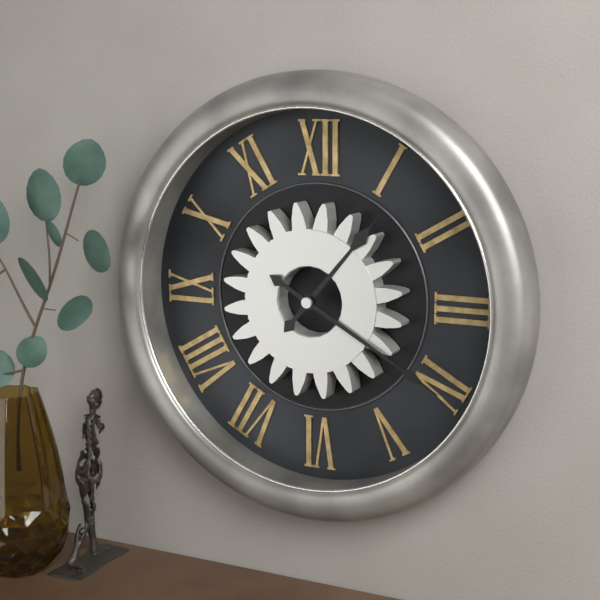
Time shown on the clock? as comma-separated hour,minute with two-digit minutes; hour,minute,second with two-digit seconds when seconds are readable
1,20
